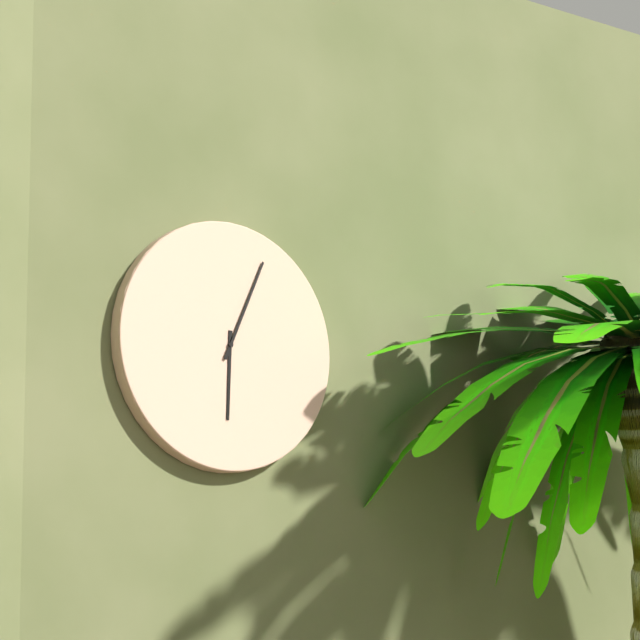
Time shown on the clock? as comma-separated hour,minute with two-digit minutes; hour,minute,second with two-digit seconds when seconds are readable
6,04
